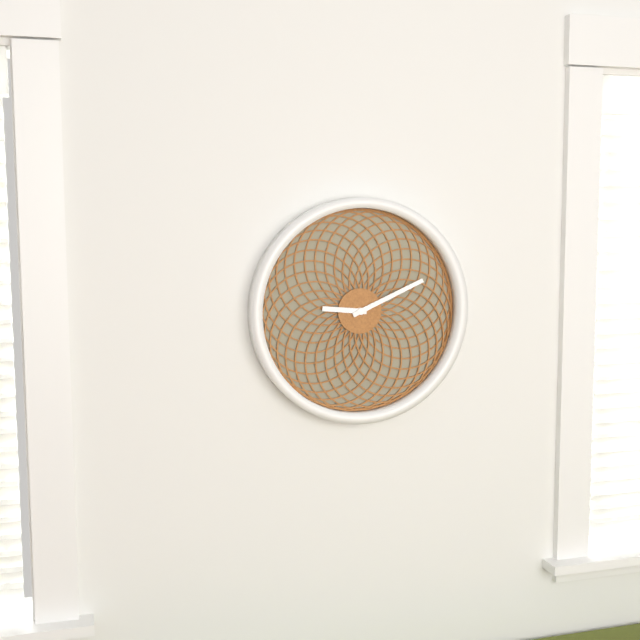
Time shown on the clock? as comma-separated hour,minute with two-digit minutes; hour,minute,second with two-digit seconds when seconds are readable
9,11
